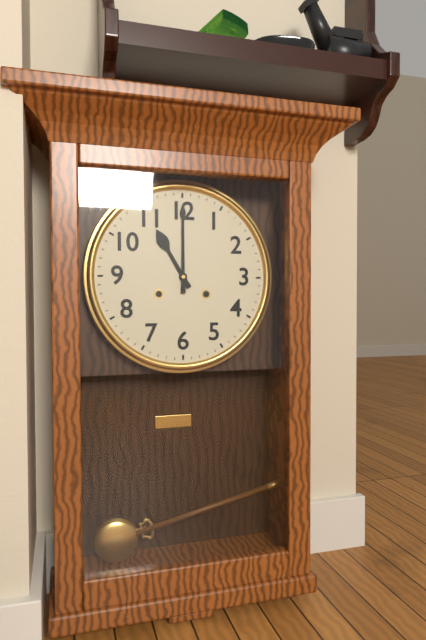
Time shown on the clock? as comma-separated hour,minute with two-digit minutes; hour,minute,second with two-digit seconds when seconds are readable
11,00
